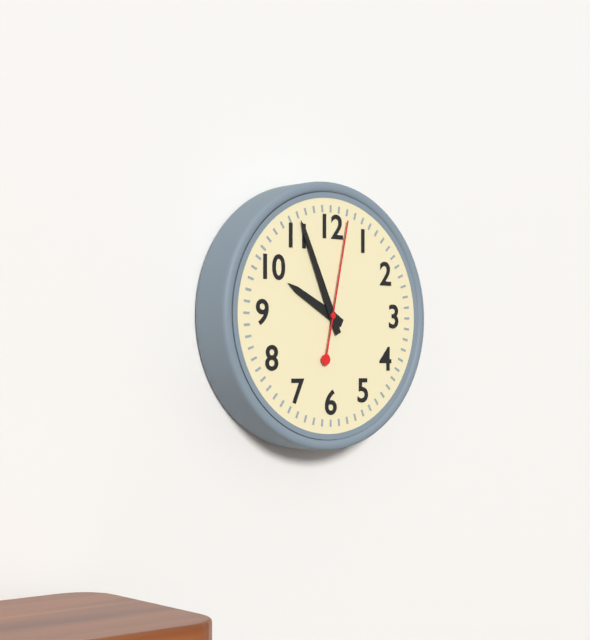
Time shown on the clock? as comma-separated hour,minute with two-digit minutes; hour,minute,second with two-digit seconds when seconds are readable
9,56,02
